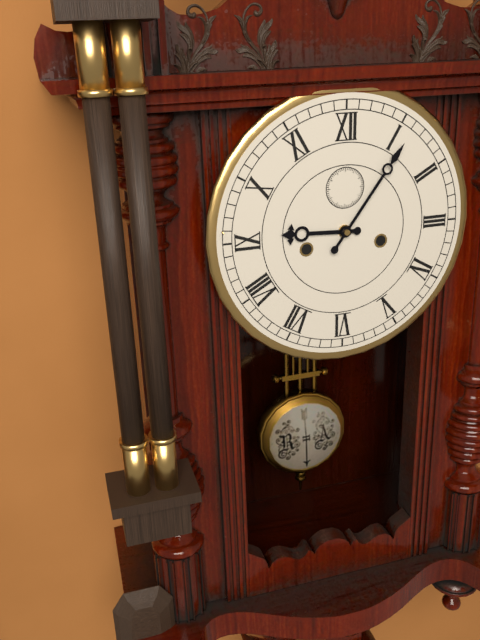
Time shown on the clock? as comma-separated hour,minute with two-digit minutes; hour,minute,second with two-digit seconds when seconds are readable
9,06
